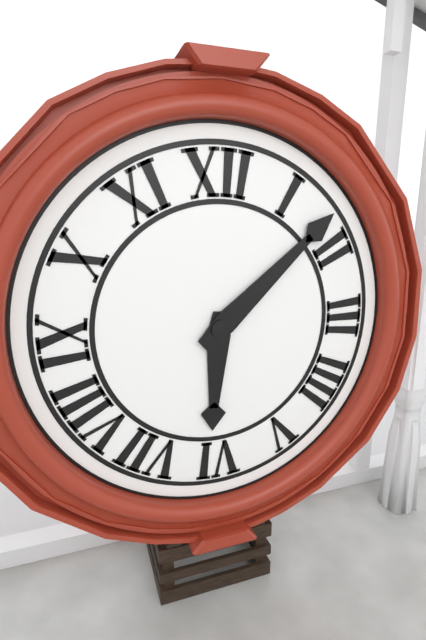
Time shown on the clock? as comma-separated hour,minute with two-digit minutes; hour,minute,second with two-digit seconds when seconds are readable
6,08
